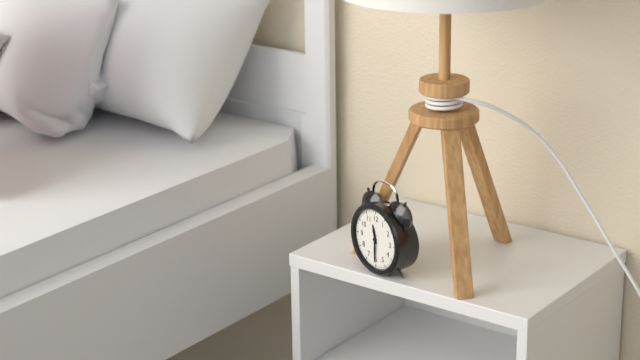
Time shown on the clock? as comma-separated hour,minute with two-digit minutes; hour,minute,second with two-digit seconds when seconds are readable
11,30
